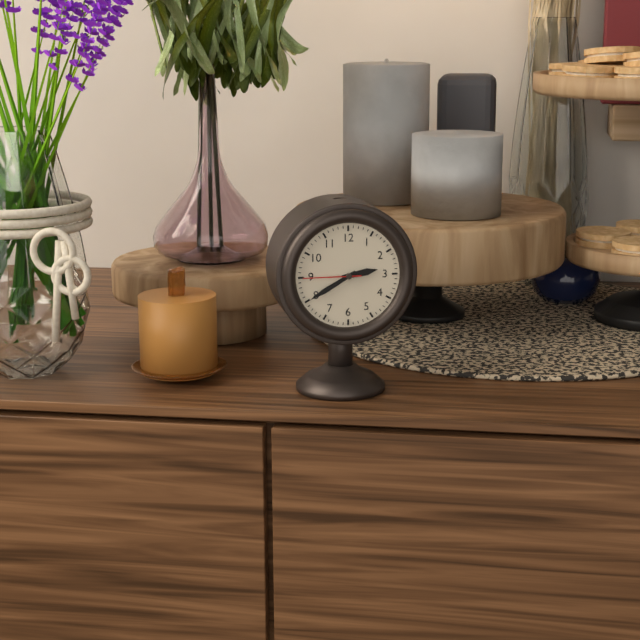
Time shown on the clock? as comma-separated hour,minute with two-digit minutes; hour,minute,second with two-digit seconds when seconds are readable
2,40,45
